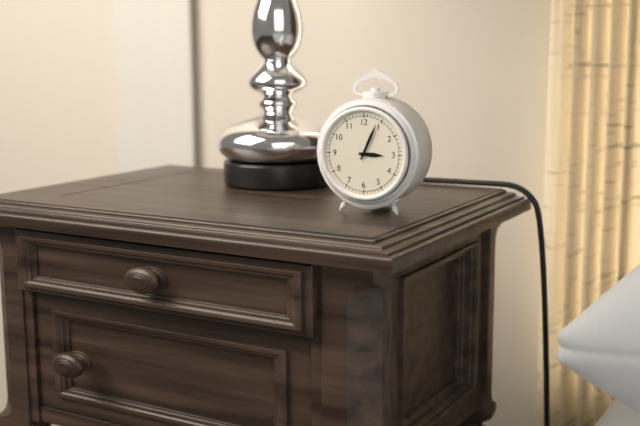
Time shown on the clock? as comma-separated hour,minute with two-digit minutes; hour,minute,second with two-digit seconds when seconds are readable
3,04
